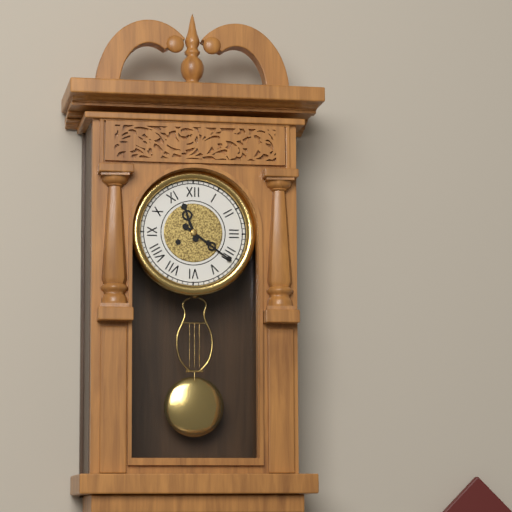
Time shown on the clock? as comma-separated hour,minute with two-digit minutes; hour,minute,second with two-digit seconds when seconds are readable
11,21
